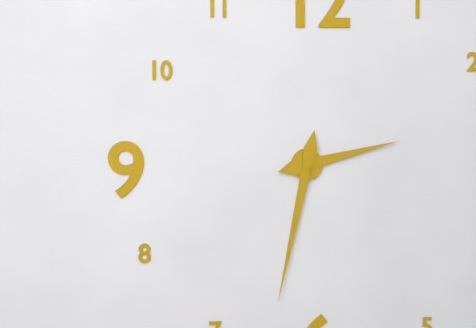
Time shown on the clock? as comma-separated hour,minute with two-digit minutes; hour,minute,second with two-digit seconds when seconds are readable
2,32
